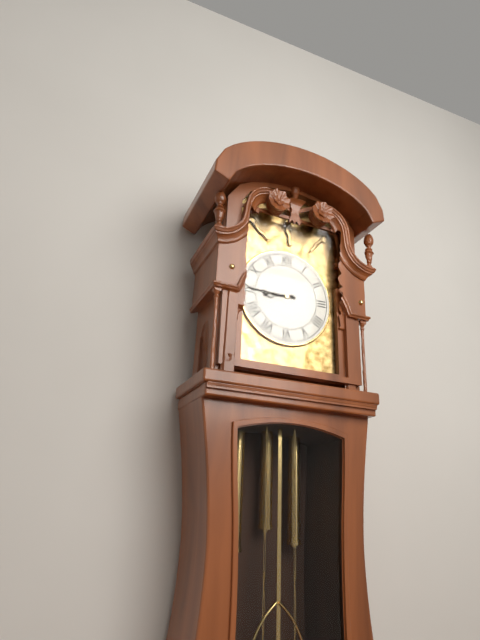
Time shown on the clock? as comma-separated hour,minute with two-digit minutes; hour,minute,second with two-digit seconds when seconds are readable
8,45
